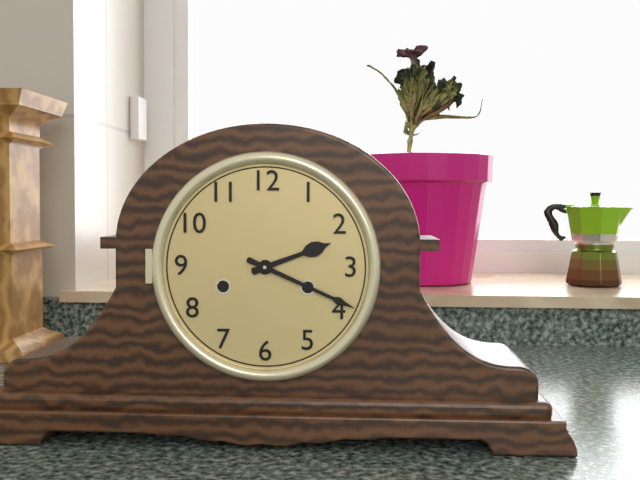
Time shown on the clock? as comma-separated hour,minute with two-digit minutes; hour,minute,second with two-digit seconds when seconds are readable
2,19
